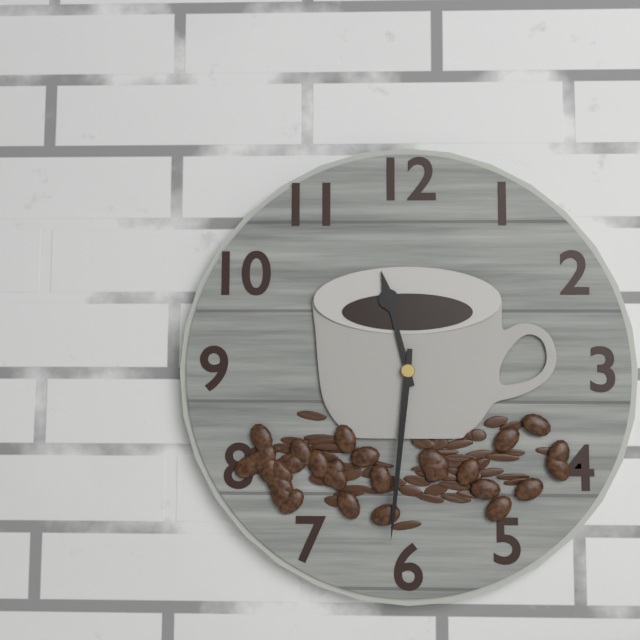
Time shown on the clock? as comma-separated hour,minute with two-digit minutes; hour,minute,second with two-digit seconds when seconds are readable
11,31
